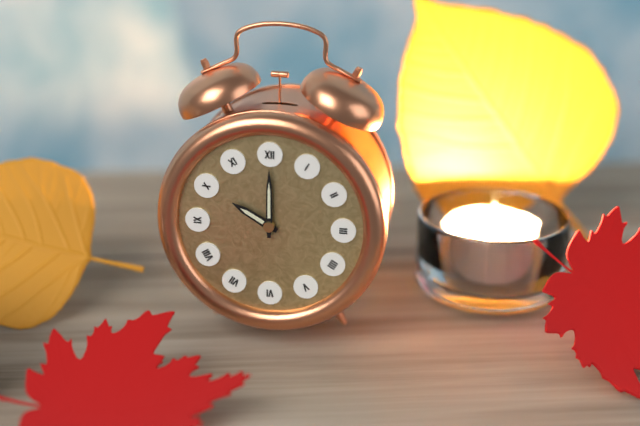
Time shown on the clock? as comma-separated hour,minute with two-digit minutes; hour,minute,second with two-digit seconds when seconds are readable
10,00
